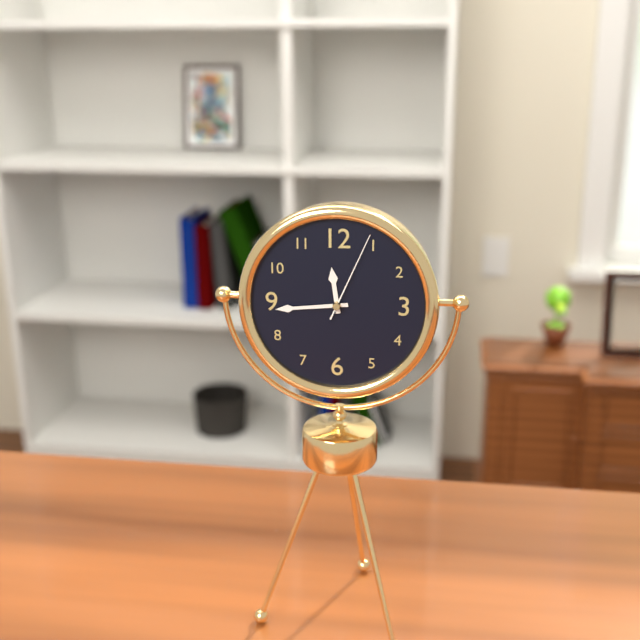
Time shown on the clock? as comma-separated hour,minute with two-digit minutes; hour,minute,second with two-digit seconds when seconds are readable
11,44,04
